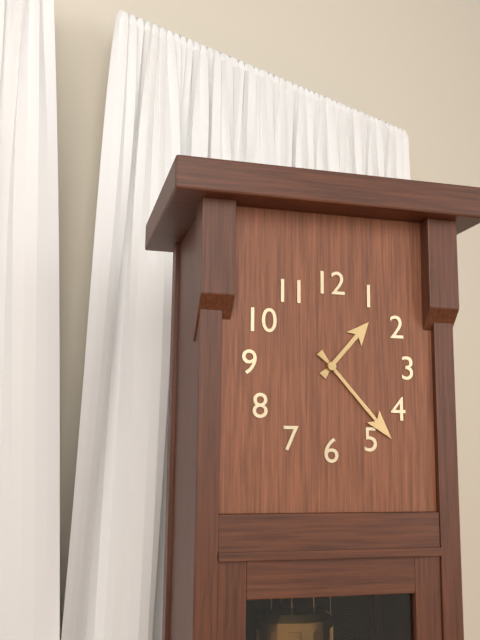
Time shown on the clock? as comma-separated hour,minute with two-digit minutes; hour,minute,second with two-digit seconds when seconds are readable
1,23
